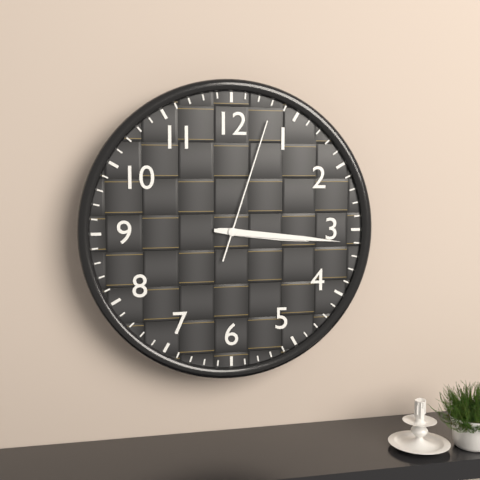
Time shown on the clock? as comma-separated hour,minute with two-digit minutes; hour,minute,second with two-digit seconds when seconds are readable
3,16,03
